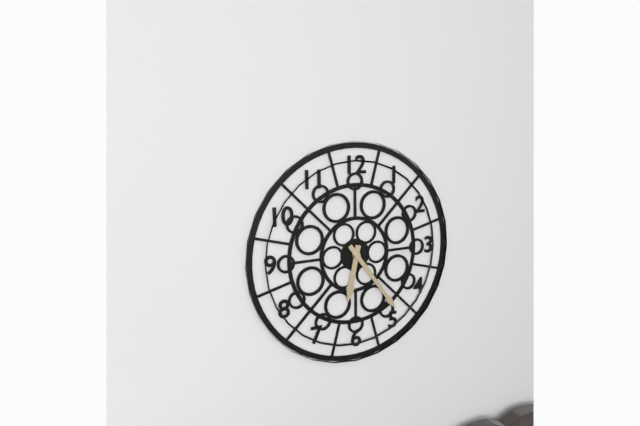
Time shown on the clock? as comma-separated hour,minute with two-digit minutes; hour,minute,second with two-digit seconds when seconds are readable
6,24
